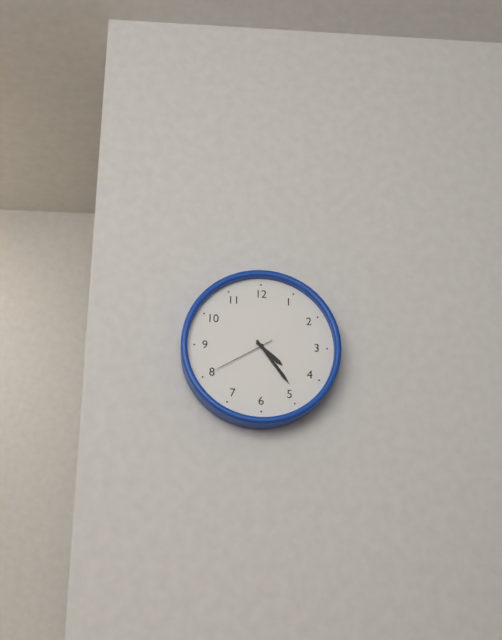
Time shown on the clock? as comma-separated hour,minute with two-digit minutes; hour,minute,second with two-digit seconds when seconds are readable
4,24,40
